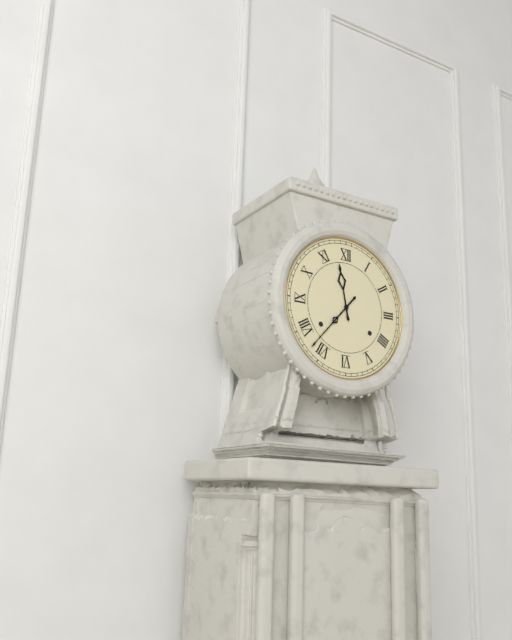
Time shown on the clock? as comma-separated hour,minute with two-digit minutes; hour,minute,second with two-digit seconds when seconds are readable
11,37
